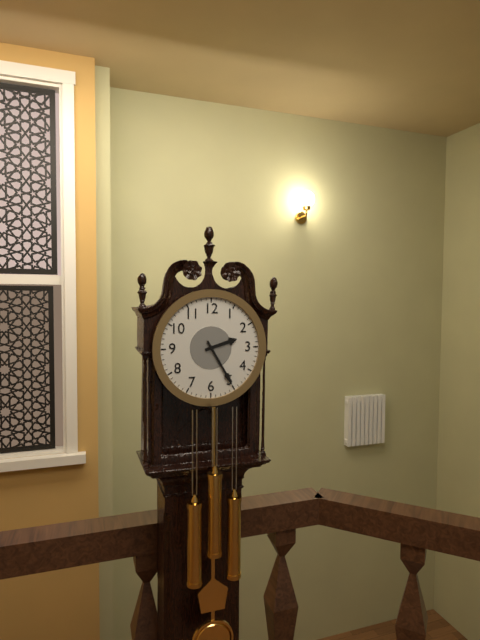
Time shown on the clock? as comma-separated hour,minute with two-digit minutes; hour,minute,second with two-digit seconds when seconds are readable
2,25
